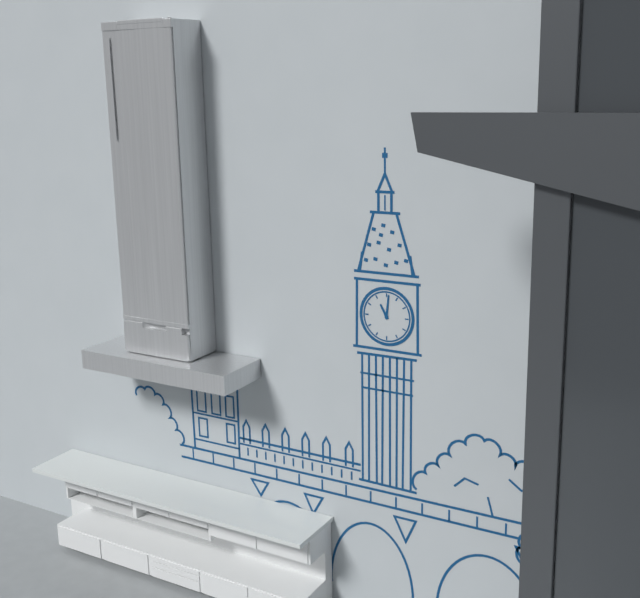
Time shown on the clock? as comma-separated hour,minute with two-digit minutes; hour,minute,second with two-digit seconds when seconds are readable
11,01
